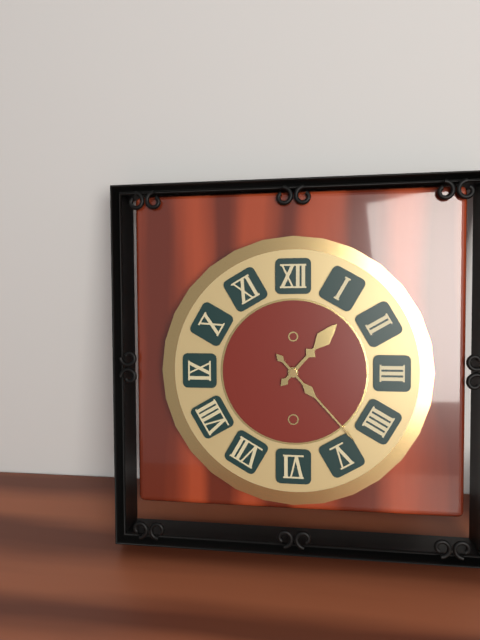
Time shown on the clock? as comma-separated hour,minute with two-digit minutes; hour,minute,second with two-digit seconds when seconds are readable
1,23
